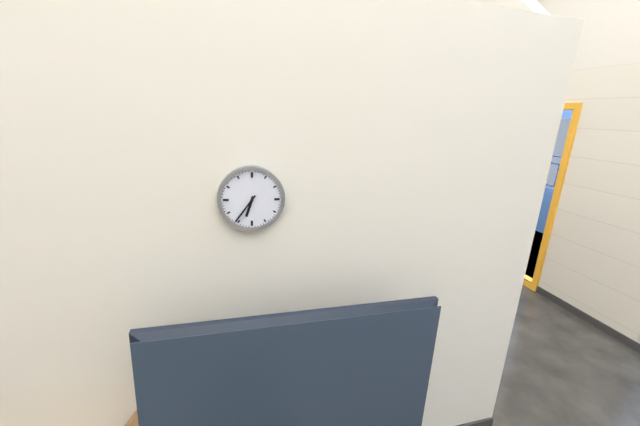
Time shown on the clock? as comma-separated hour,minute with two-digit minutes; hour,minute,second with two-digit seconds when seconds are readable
6,36
